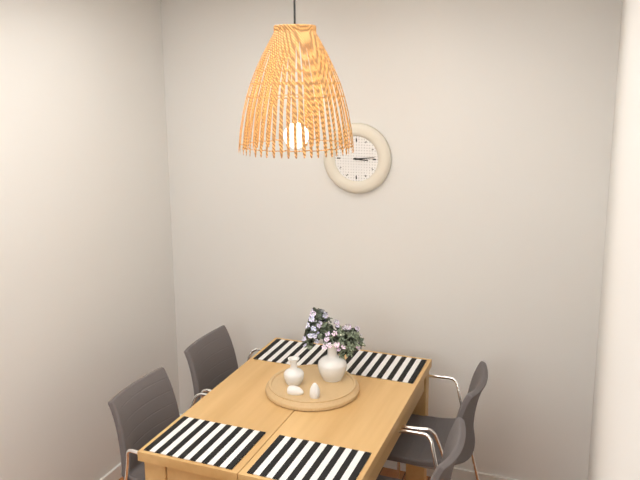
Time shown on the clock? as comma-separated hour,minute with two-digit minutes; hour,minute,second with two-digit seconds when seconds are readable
3,14
